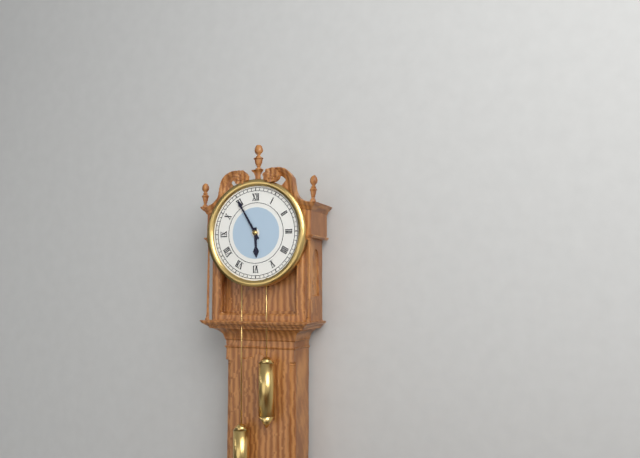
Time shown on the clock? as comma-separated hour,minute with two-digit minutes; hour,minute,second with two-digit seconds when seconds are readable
5,55
